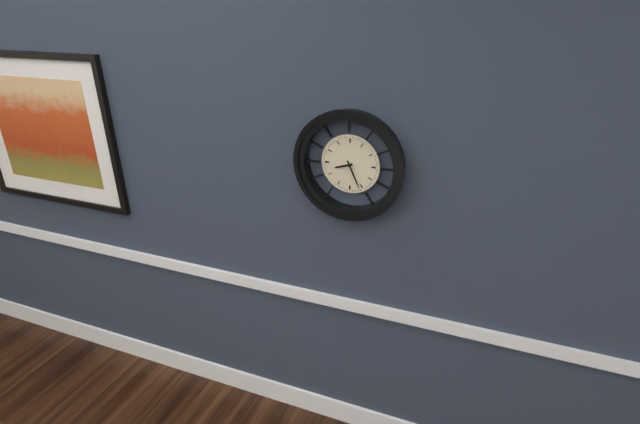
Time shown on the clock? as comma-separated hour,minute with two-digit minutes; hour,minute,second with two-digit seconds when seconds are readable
8,26
